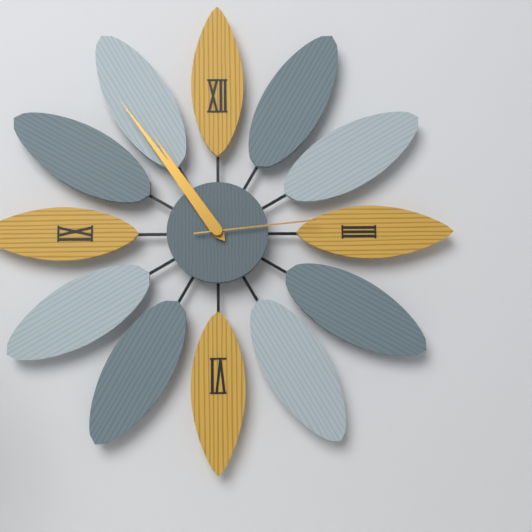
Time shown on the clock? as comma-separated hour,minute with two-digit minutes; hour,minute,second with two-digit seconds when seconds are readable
10,54,14
